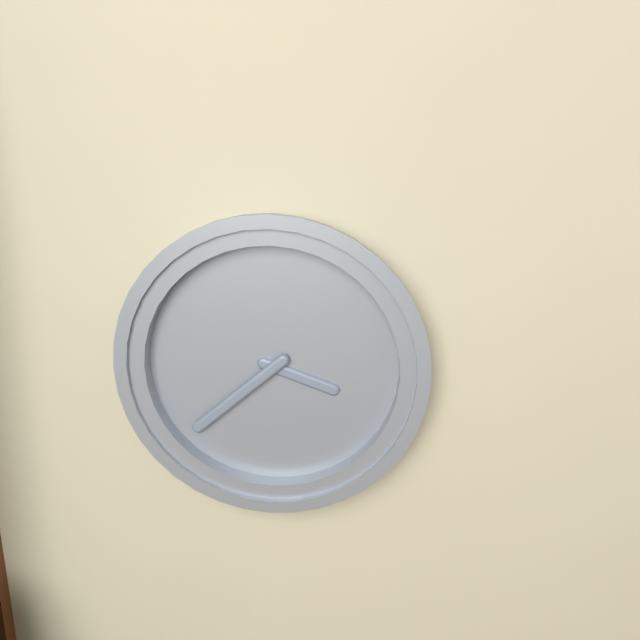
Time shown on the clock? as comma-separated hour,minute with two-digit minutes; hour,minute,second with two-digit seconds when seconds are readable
3,38
